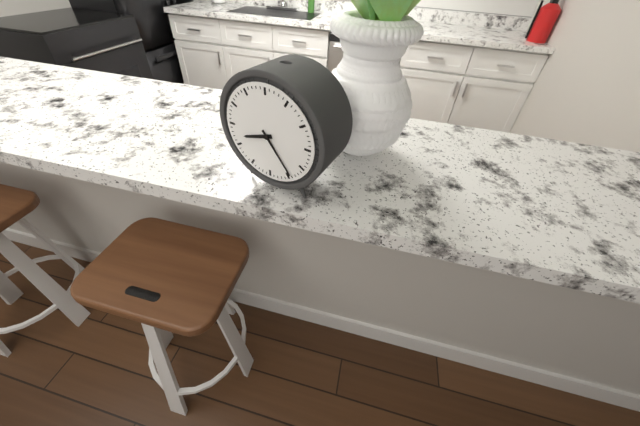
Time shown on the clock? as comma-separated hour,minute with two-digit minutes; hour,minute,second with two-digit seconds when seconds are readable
8,24
